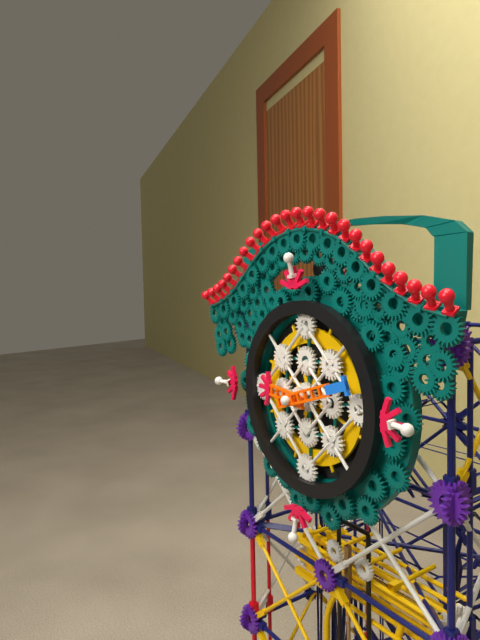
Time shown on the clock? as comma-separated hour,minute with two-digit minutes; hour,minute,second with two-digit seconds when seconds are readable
9,12
